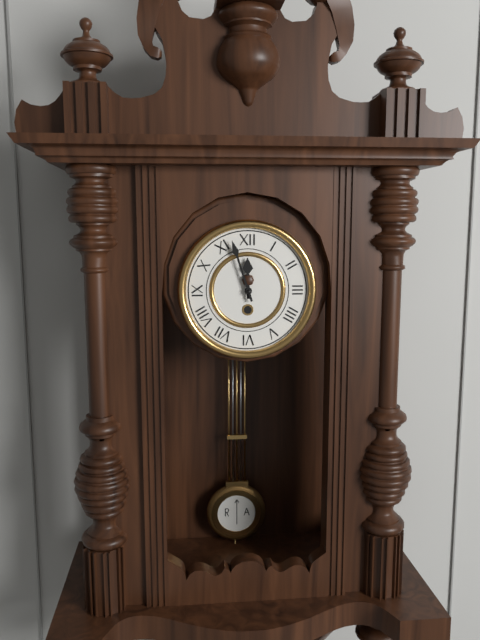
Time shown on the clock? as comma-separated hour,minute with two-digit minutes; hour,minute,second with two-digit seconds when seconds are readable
11,57
